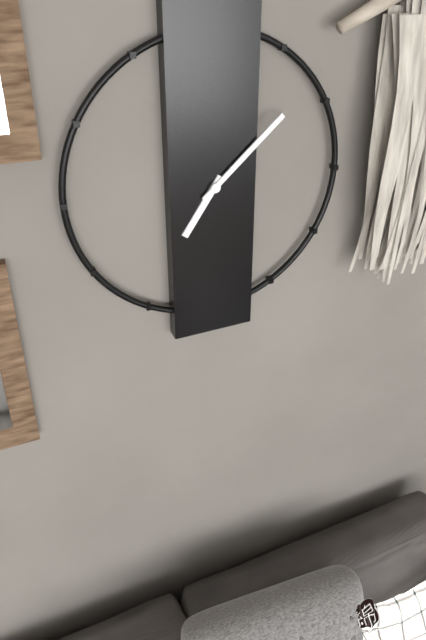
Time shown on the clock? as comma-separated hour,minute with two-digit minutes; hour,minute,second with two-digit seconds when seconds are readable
7,08
